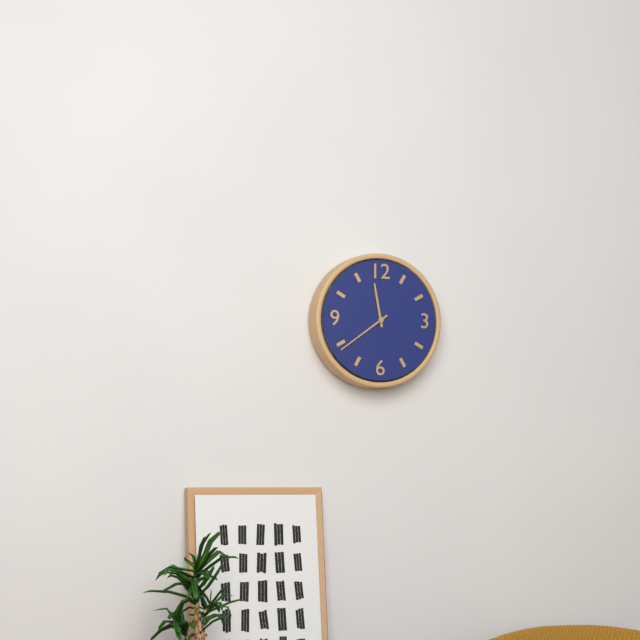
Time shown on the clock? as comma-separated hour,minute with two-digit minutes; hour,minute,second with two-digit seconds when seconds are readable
11,39
